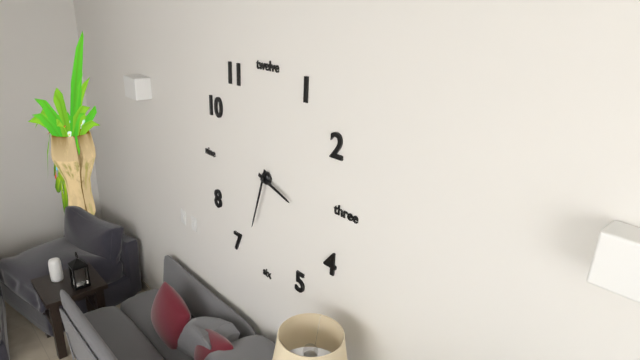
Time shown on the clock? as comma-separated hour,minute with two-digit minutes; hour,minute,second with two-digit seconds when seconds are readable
3,33
